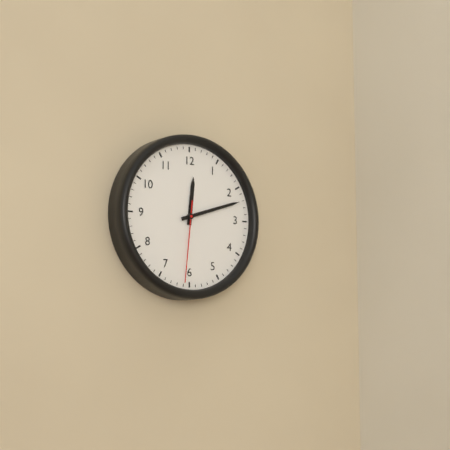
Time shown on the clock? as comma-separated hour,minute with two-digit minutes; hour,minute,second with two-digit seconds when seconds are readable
12,12,31
